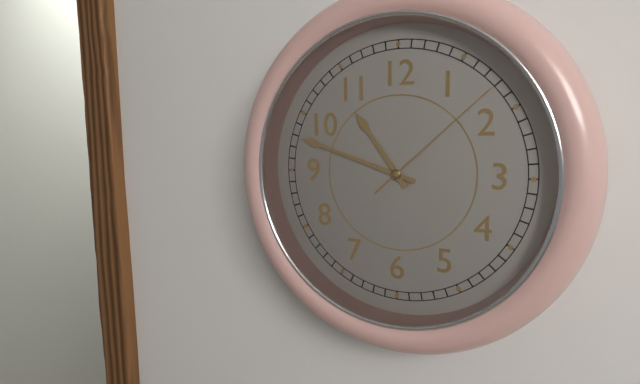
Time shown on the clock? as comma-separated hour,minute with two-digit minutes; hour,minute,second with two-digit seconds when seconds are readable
10,48,08
